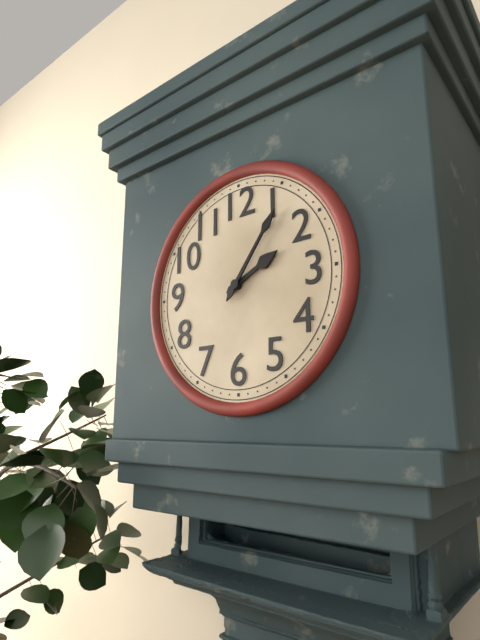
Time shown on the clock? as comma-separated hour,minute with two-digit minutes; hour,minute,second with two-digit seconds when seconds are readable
2,06
